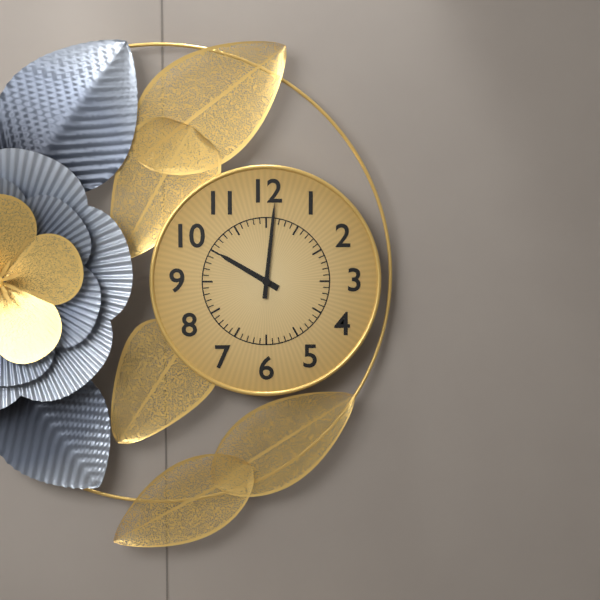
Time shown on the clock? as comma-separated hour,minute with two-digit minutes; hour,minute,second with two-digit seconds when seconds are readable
10,01
